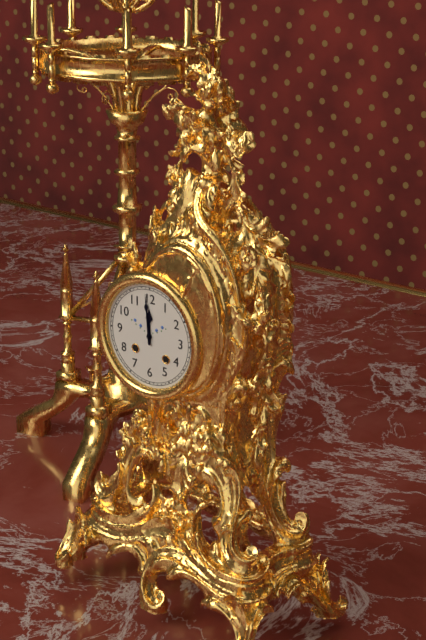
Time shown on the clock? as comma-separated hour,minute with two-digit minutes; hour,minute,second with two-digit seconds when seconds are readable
11,59
